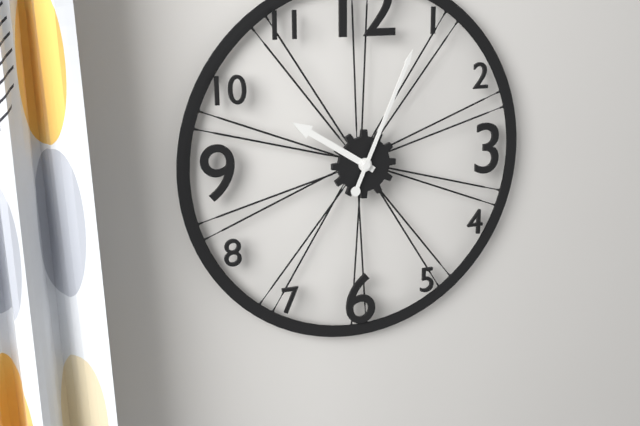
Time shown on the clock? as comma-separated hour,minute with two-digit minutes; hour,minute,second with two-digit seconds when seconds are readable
10,04
